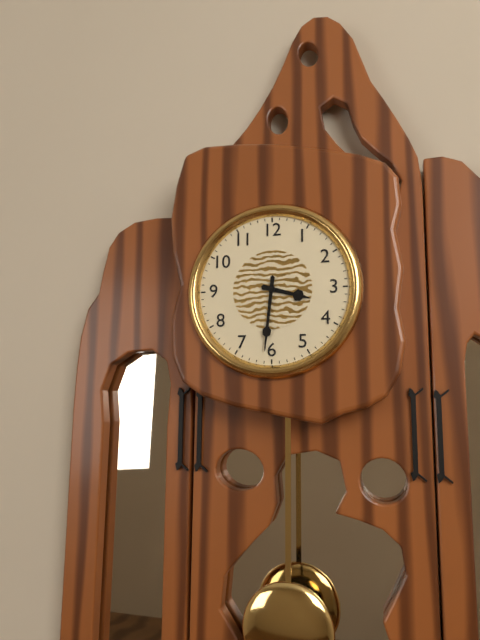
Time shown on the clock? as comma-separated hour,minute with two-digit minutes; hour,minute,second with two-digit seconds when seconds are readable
3,31
